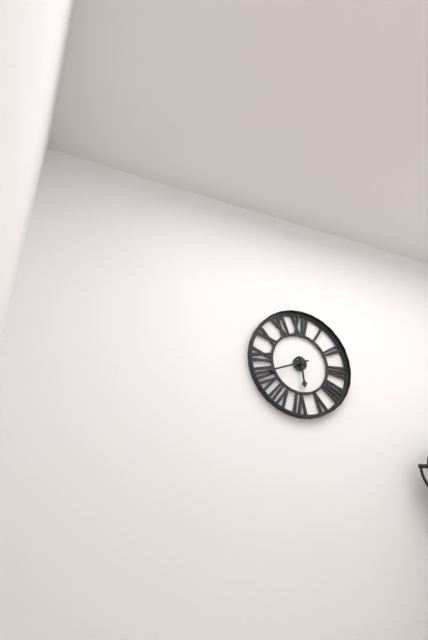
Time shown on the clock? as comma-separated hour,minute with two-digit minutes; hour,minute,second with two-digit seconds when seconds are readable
5,41
